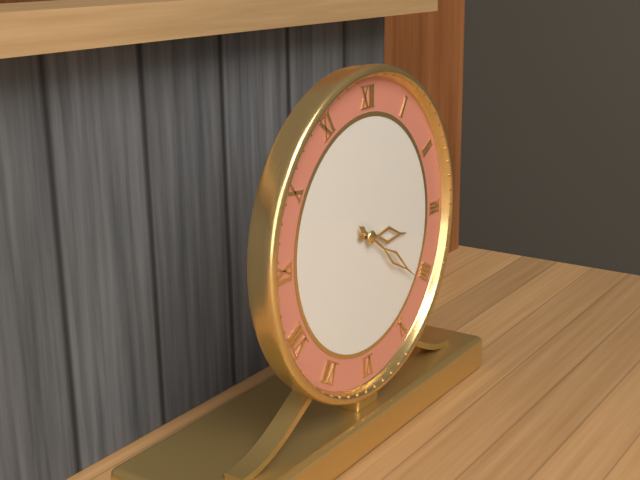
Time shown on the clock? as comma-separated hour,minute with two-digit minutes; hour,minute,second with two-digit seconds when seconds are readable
3,21
